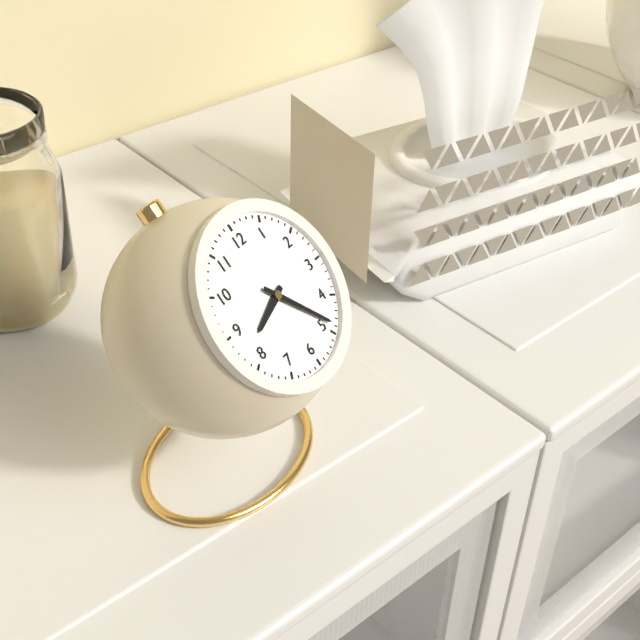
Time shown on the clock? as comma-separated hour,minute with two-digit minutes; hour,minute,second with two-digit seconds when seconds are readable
8,24
